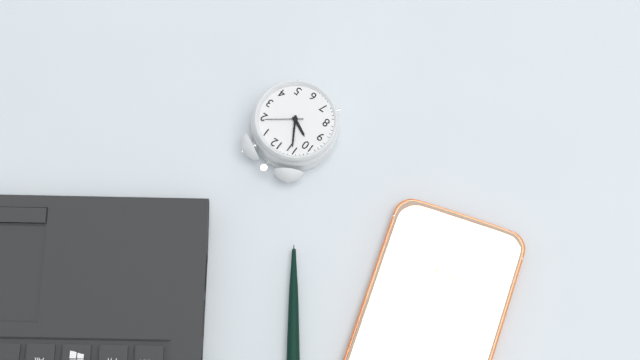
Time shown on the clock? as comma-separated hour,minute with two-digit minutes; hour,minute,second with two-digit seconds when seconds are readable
9,55
